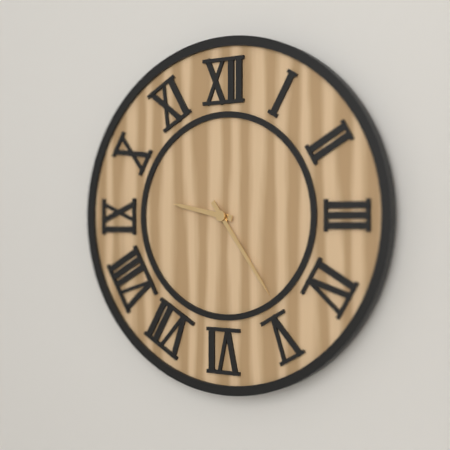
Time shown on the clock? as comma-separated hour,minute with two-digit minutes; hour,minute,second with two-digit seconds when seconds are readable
9,24
